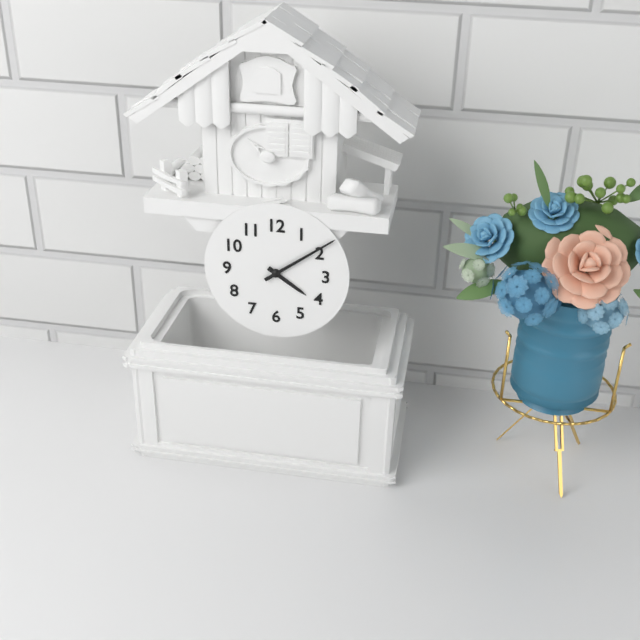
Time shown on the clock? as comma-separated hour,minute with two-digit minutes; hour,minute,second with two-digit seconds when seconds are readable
4,09
